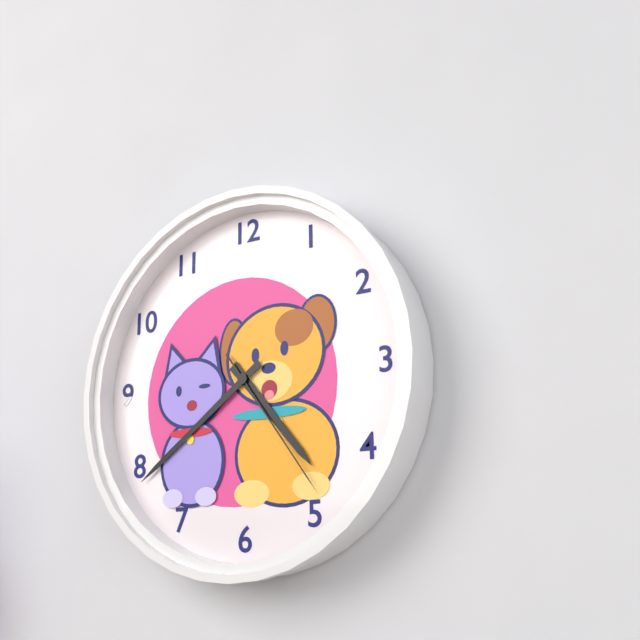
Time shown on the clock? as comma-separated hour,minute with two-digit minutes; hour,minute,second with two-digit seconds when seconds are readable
4,39,24
